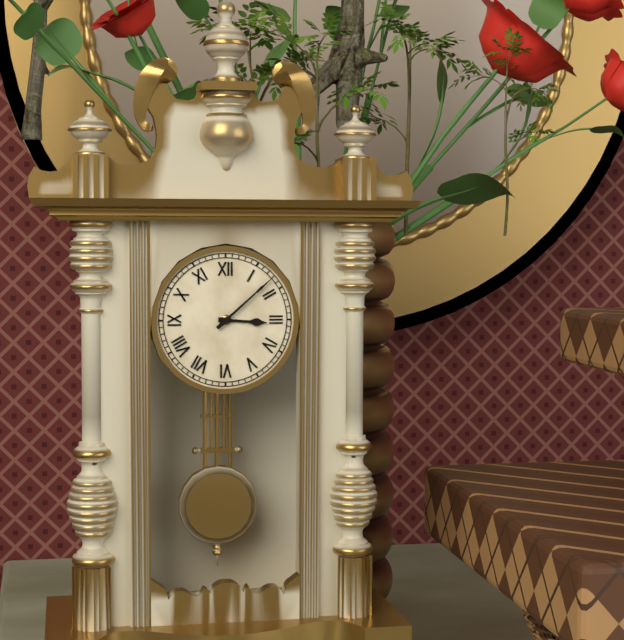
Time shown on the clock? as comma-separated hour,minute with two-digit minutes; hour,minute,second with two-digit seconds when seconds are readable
3,08
